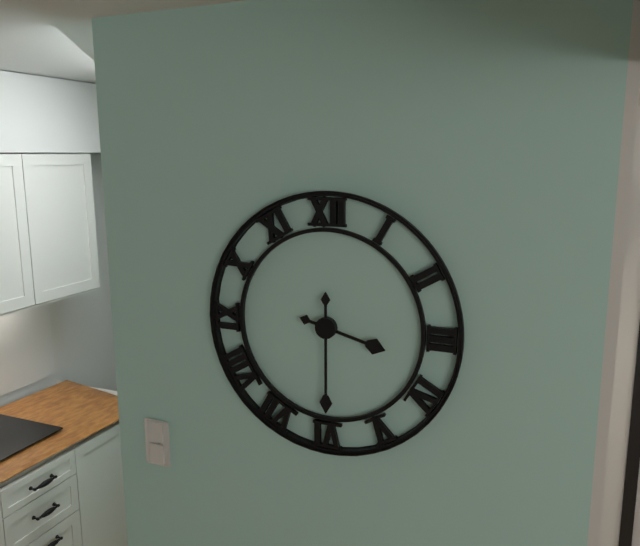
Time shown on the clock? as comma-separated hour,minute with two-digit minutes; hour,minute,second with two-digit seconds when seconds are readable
3,30
